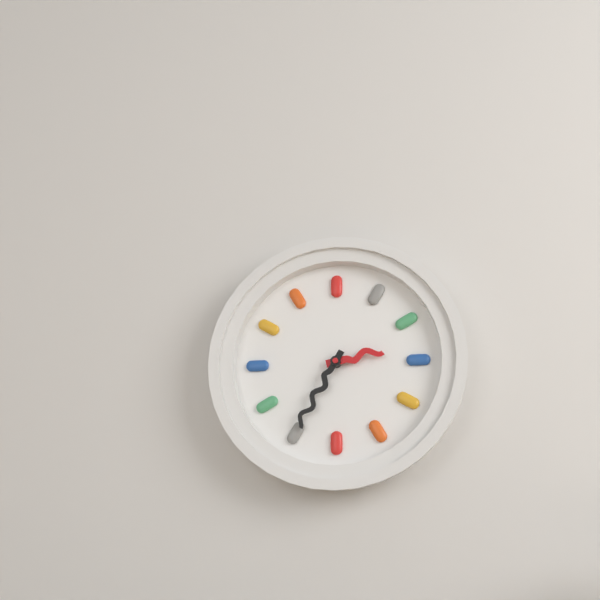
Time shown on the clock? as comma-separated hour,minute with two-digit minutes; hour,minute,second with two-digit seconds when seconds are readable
2,35
